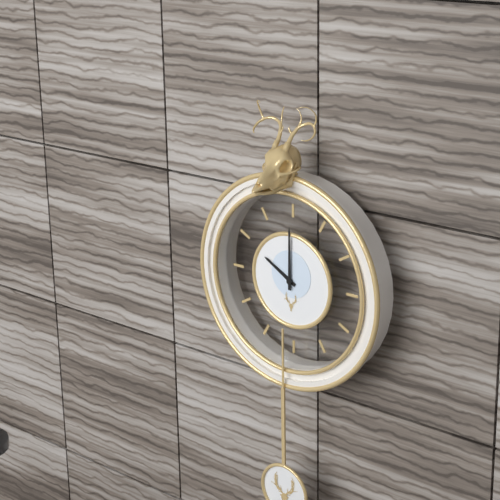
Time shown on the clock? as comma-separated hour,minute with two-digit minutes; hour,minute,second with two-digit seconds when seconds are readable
10,00
